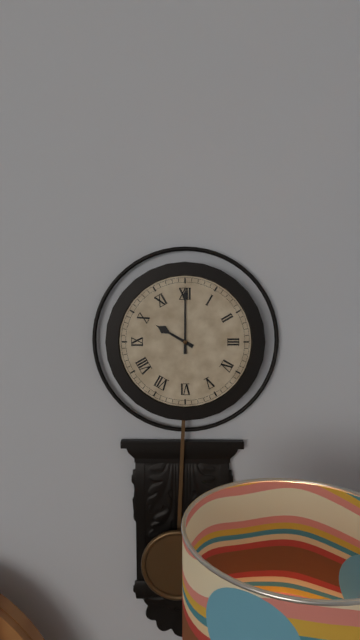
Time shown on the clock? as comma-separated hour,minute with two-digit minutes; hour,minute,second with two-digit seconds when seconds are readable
10,00
